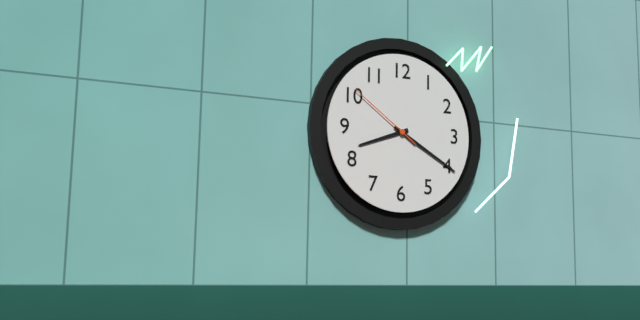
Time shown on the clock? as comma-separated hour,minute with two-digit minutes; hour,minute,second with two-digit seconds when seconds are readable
8,20,51
